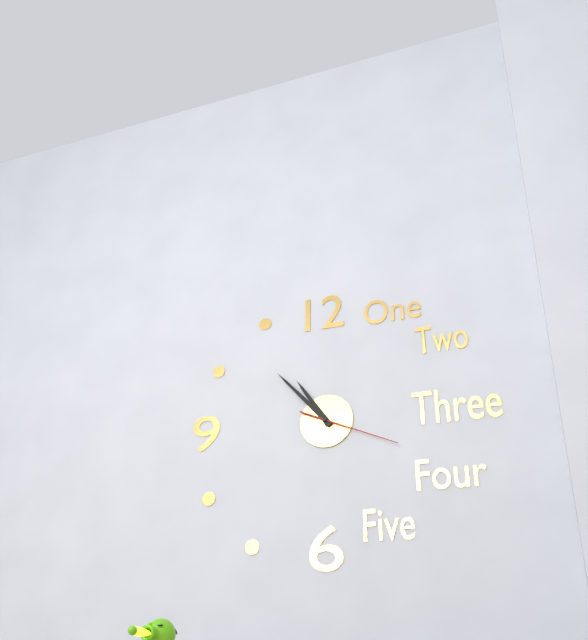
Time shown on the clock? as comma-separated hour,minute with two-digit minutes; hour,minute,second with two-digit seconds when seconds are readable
10,53,19
